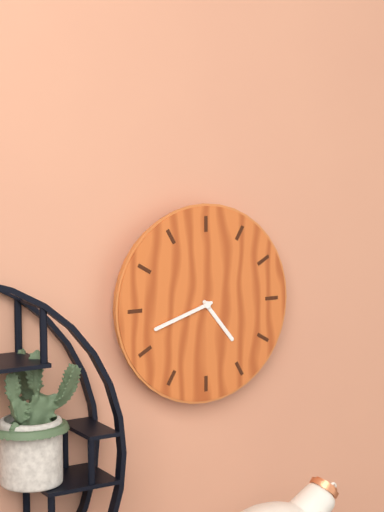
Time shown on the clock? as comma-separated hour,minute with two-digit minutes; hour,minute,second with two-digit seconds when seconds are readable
4,42
